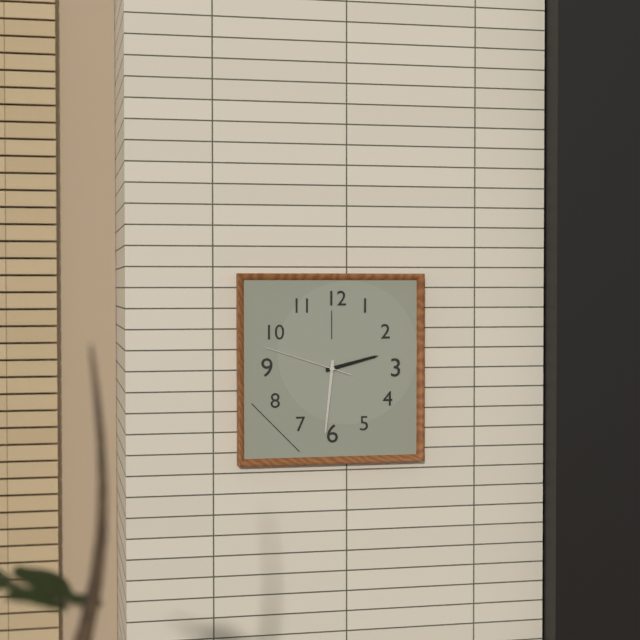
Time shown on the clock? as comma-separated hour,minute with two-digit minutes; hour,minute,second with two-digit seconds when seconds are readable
2,31,48
